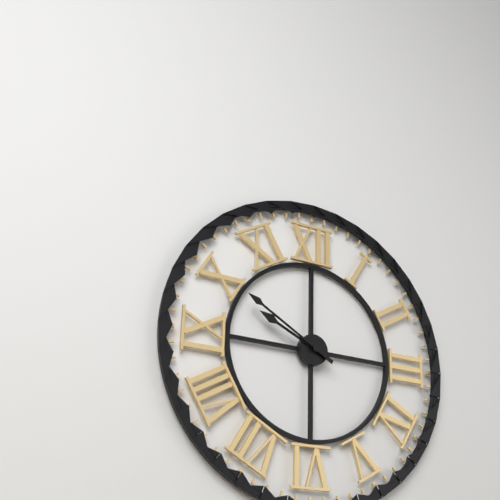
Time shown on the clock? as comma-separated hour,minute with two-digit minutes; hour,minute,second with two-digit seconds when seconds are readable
9,50
